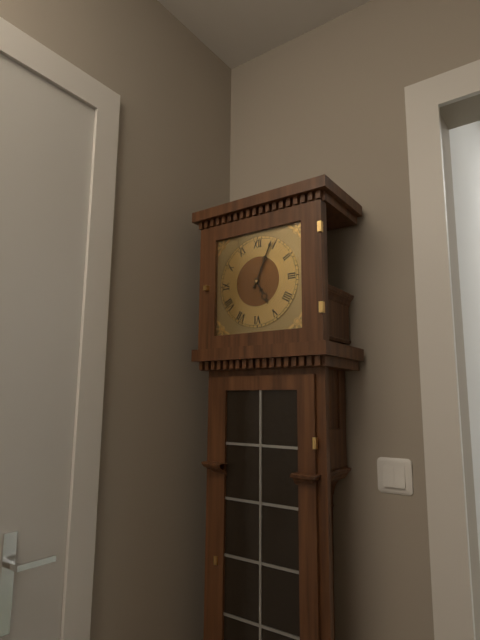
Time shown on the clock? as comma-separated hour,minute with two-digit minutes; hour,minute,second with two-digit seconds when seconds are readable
5,04
